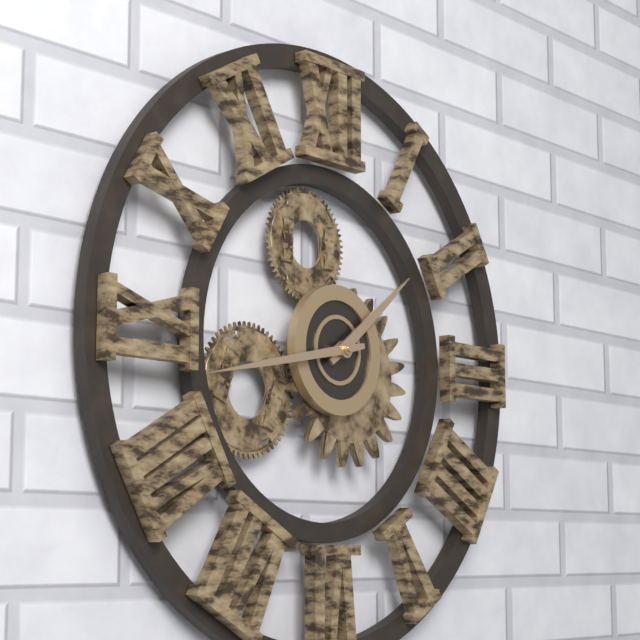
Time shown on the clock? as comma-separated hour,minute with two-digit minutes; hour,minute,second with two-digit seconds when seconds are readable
1,43
